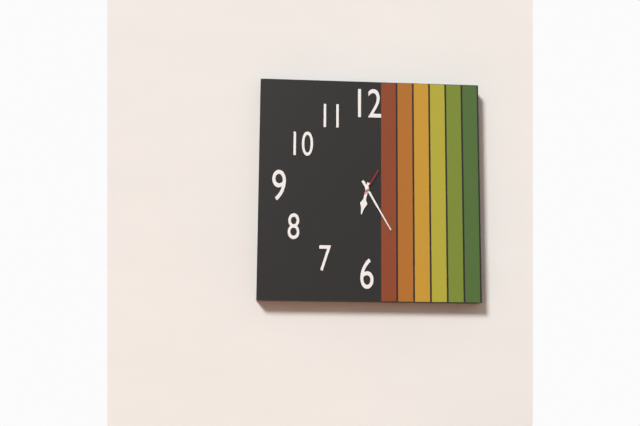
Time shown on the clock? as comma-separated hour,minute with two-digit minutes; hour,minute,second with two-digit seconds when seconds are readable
6,25
